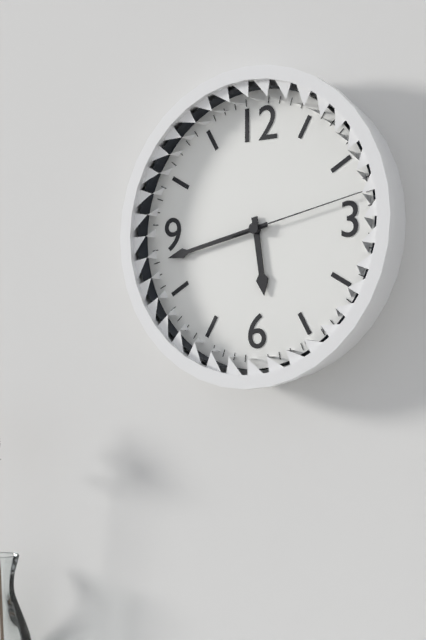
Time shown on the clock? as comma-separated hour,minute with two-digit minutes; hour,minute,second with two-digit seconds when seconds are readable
5,43,13
